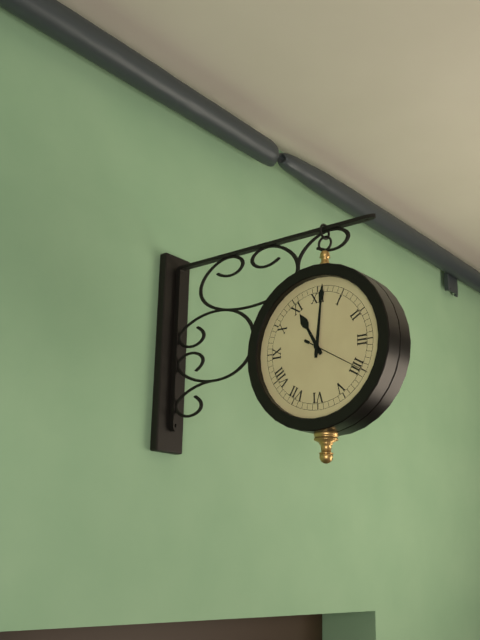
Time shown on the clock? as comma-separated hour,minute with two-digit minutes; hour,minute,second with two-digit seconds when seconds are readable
11,01,20
